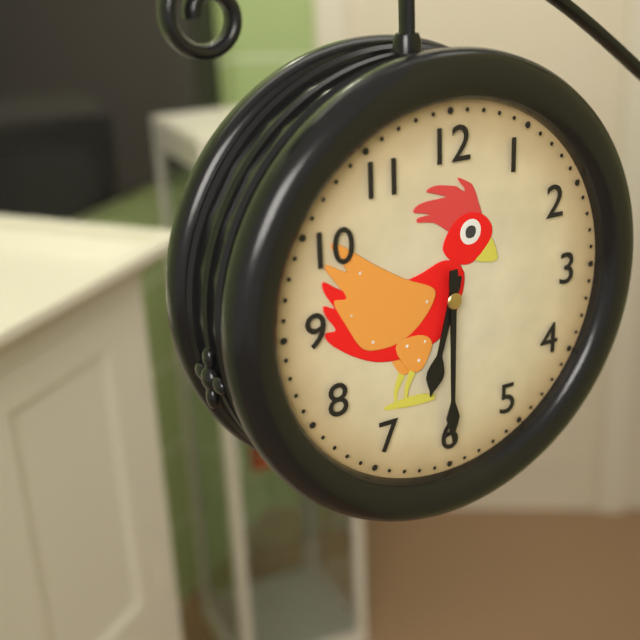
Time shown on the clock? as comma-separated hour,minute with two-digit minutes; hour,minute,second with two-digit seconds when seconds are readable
6,30
